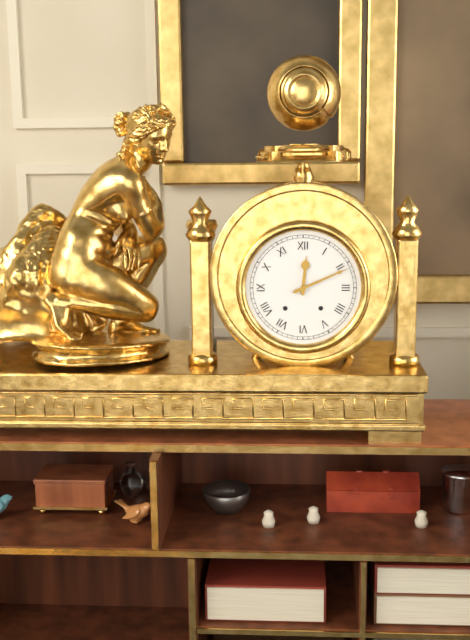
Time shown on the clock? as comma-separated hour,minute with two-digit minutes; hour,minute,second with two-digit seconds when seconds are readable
12,11
